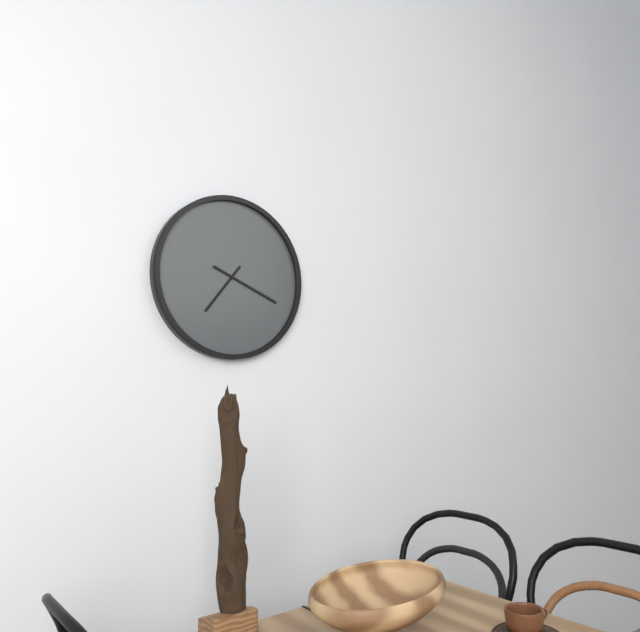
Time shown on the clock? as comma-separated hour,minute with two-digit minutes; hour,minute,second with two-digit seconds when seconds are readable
7,19
